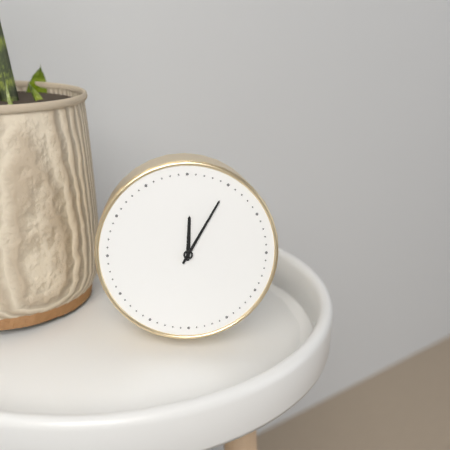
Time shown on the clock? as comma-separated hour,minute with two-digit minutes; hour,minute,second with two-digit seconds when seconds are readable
12,05
